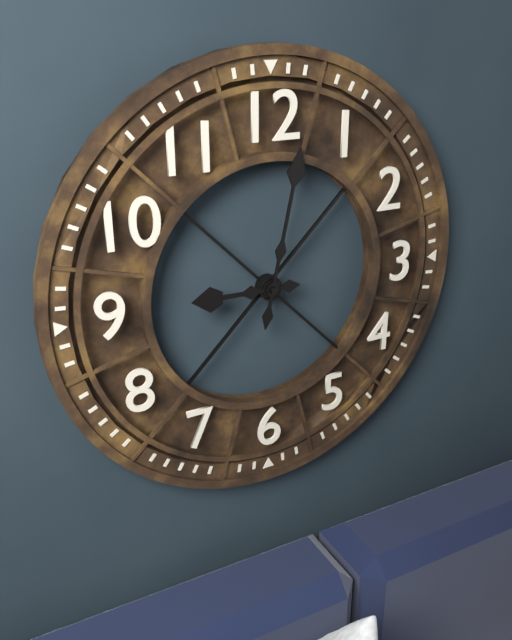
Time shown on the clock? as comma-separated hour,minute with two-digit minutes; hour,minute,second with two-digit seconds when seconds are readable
9,02
